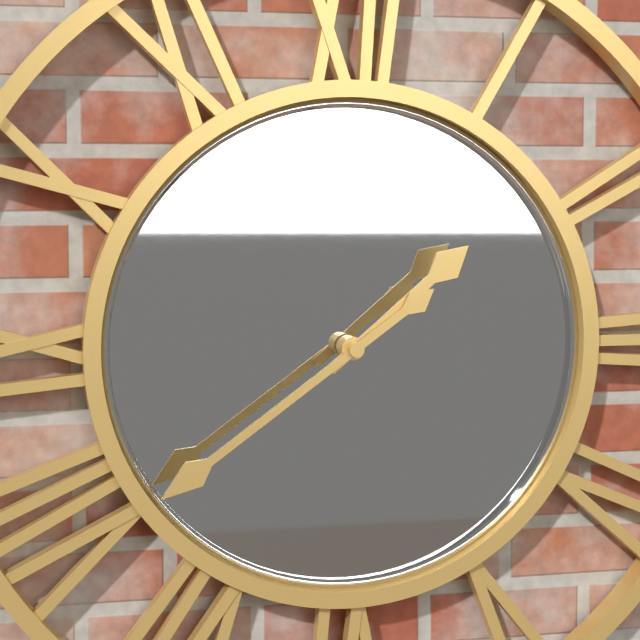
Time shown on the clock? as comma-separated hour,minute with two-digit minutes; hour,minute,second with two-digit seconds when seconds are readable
1,39
